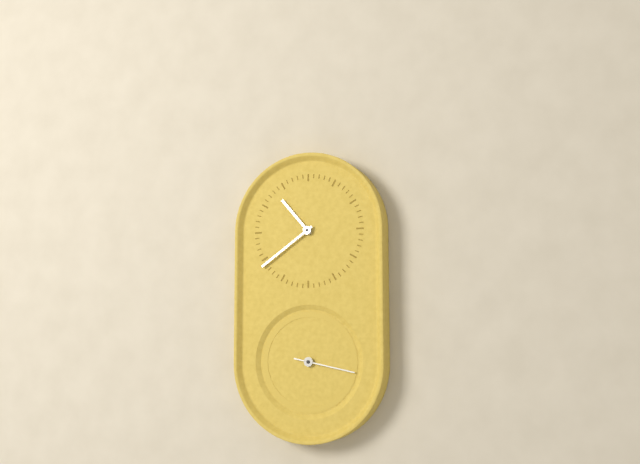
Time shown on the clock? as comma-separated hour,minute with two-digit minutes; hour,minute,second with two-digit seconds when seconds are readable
10,39,17
